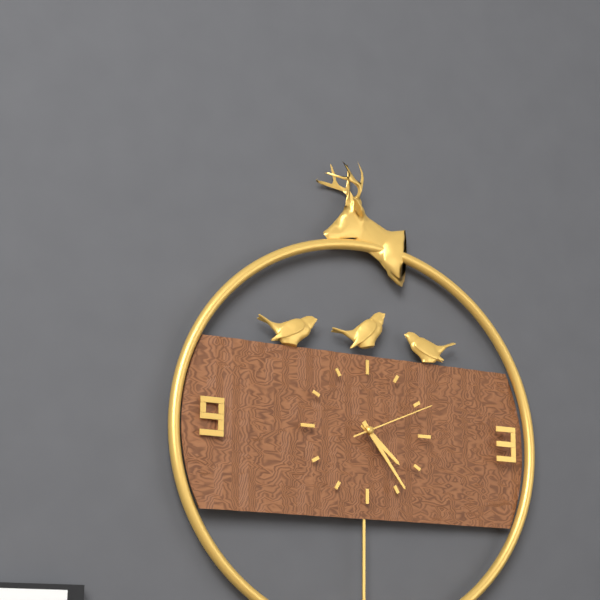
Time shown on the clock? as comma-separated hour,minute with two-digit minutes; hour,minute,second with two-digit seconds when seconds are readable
4,24,11
